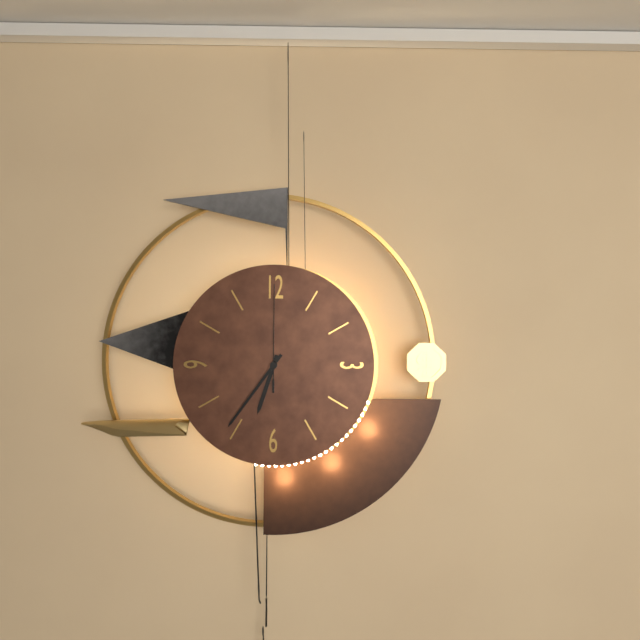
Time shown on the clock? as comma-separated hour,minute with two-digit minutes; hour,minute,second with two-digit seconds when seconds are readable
6,36,00
